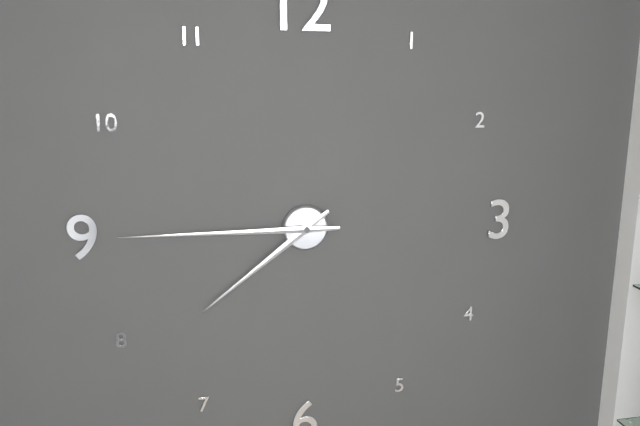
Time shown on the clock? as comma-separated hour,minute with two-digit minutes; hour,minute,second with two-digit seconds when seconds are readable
7,45
